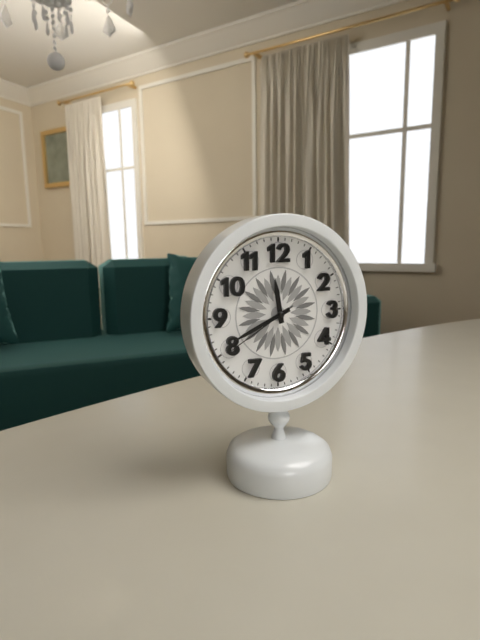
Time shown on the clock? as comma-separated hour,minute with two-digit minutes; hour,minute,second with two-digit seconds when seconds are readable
11,41,40
